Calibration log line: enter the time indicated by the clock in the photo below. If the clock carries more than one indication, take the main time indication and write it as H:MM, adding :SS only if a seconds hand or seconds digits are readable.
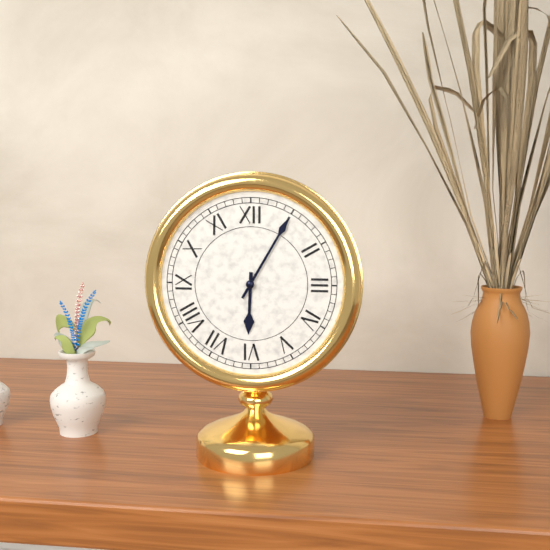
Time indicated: 6:05
